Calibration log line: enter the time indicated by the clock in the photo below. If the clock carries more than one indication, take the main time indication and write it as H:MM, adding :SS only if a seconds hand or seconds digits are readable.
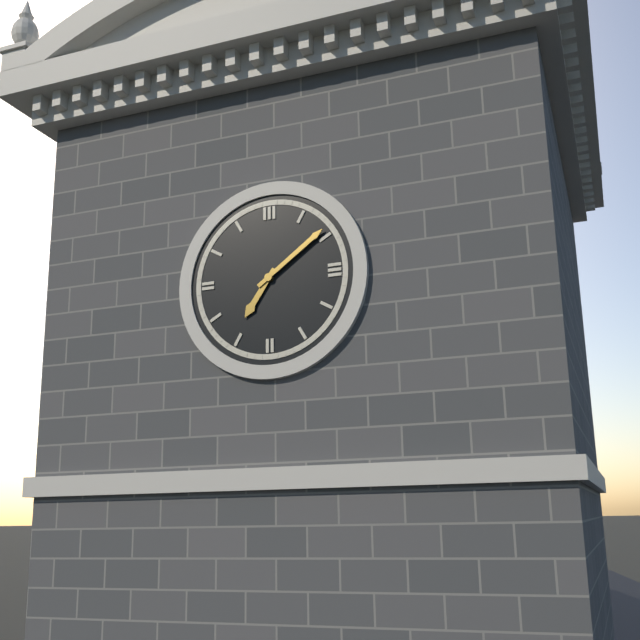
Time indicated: 7:09
